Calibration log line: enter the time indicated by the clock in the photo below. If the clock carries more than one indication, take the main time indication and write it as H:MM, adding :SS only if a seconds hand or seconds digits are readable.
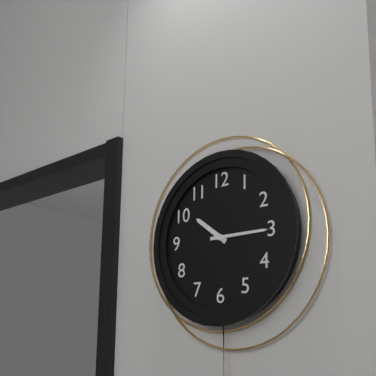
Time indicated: 10:15
